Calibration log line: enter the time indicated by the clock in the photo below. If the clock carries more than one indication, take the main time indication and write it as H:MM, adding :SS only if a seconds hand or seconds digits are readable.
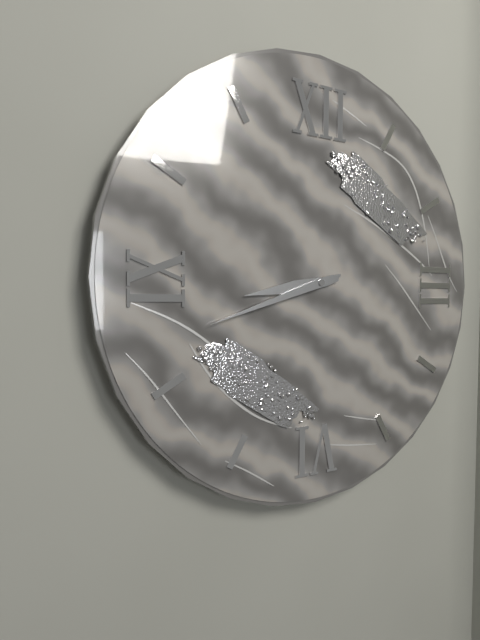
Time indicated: 8:42
